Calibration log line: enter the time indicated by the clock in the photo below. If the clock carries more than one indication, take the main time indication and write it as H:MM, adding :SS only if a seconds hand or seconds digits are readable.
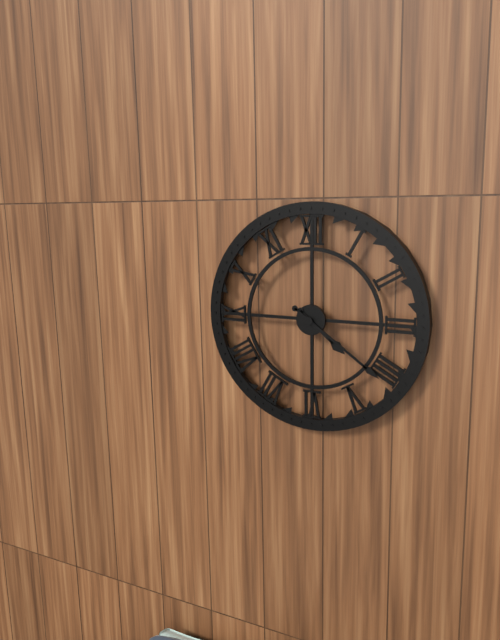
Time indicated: 4:21
